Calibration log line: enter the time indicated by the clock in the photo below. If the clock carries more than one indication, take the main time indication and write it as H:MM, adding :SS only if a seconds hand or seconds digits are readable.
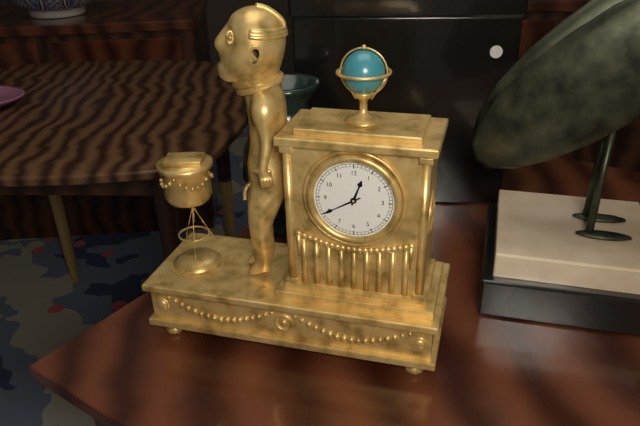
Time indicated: 12:40
